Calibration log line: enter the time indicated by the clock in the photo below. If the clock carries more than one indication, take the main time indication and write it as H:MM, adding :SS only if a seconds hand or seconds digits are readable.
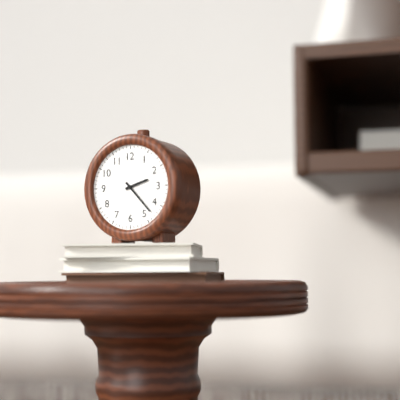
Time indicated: 2:23
